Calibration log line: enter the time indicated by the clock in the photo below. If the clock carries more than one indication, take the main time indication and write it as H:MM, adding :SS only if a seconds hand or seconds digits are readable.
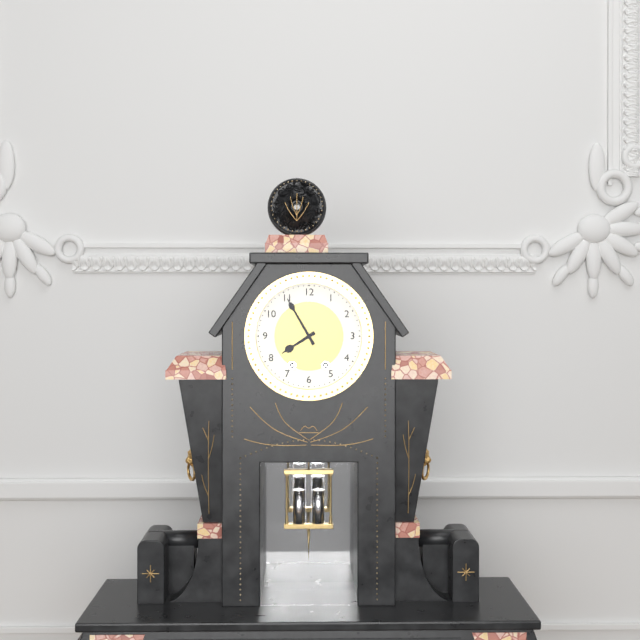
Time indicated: 7:55
